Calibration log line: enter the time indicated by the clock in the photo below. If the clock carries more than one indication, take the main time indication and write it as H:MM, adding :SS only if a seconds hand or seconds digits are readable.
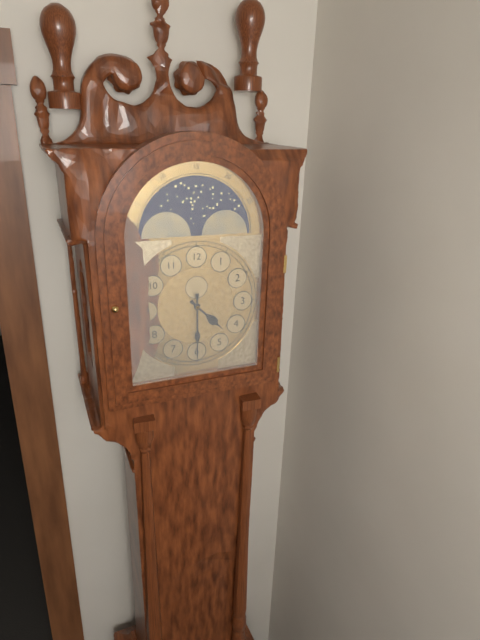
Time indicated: 4:30
